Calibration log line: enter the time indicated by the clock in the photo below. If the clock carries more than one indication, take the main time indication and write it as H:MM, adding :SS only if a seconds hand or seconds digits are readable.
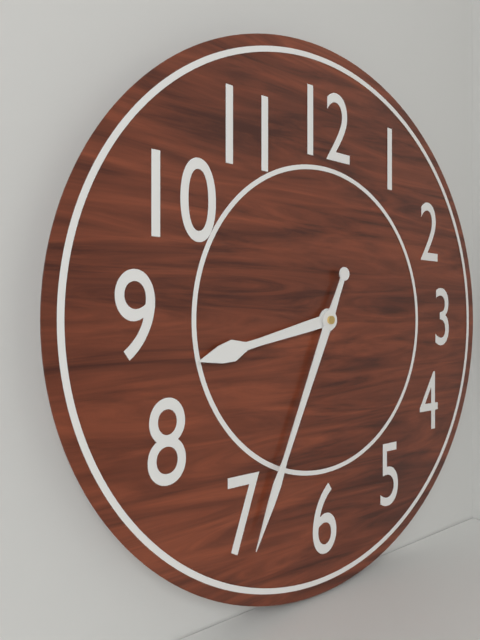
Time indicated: 8:34
